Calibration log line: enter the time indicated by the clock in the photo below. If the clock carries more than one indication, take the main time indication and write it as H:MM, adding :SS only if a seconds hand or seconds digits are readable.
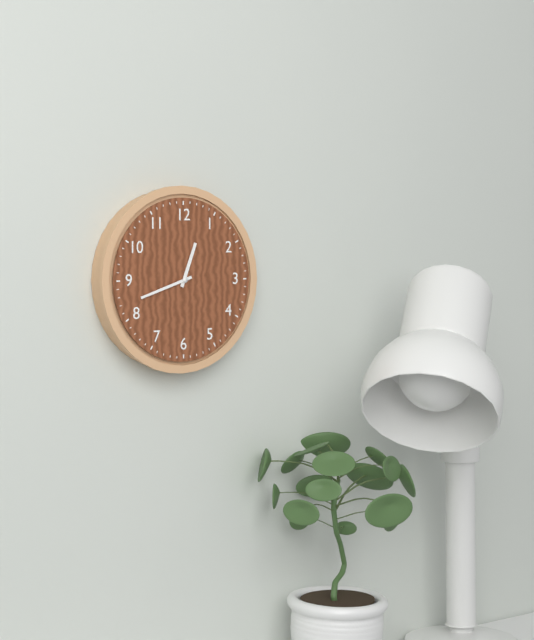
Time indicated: 12:42
